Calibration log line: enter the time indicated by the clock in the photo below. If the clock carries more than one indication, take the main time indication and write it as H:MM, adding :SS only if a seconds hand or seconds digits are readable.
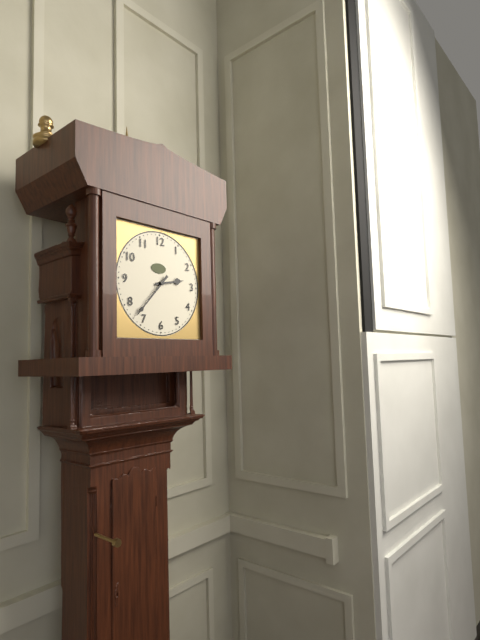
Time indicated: 2:37
